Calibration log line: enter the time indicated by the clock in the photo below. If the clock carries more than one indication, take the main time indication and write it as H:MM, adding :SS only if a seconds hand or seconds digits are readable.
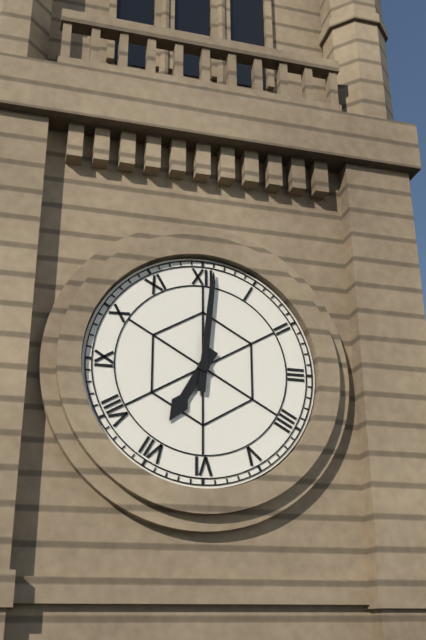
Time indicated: 7:01
